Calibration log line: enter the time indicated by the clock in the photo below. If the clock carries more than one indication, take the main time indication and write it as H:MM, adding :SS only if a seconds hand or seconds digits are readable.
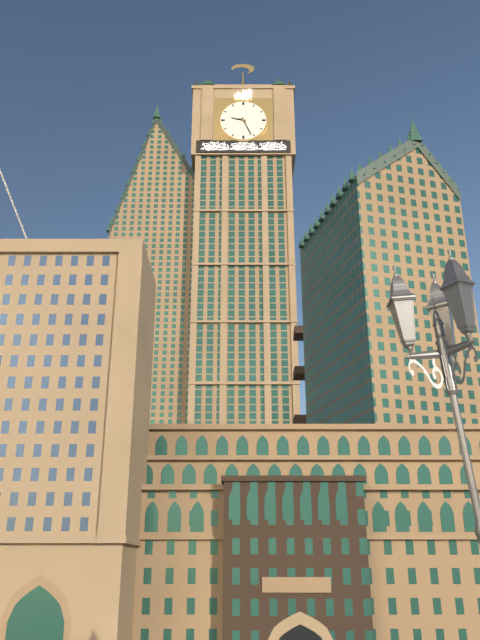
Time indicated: 9:26
